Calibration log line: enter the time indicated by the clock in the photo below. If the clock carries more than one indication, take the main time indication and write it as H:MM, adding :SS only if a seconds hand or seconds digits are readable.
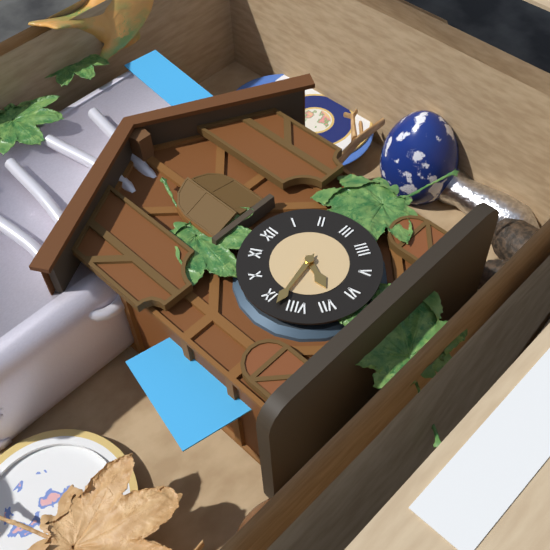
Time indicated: 6:43
